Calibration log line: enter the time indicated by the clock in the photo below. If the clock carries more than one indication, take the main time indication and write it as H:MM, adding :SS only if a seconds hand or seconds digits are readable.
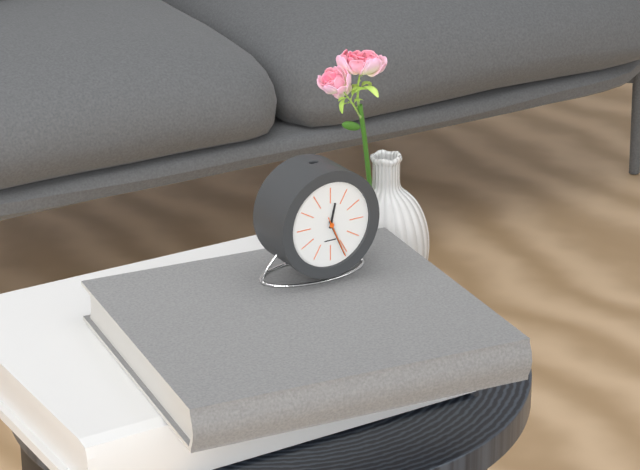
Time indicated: 12:26
